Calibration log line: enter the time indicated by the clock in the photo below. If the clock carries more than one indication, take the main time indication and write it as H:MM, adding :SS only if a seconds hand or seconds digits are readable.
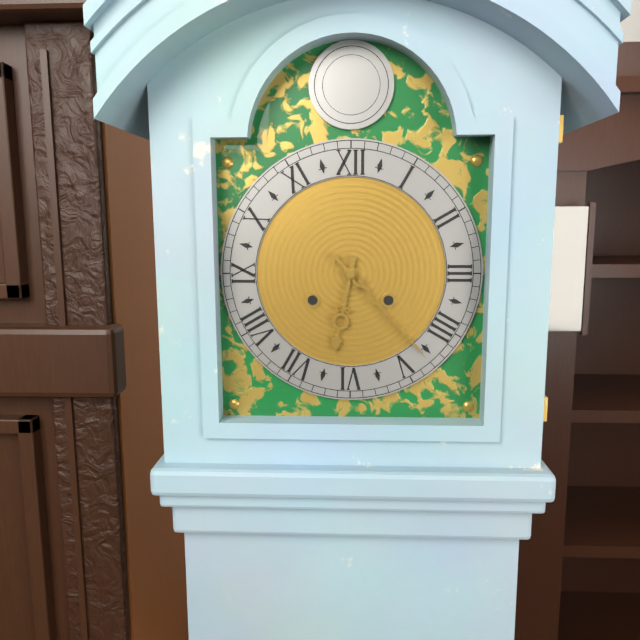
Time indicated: 6:23
